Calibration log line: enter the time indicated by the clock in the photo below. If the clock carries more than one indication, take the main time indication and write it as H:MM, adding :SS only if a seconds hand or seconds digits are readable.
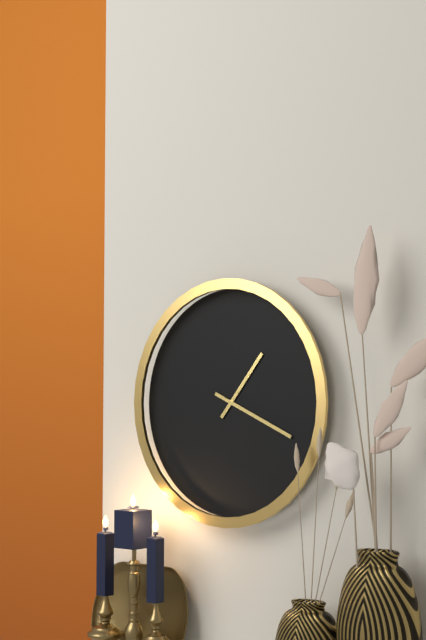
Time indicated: 1:19
